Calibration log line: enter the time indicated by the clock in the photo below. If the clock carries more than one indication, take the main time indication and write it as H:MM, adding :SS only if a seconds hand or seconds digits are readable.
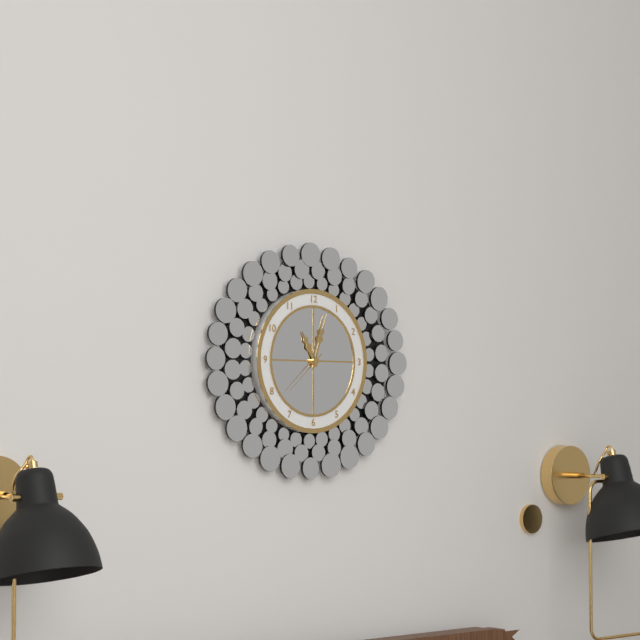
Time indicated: 11:03
